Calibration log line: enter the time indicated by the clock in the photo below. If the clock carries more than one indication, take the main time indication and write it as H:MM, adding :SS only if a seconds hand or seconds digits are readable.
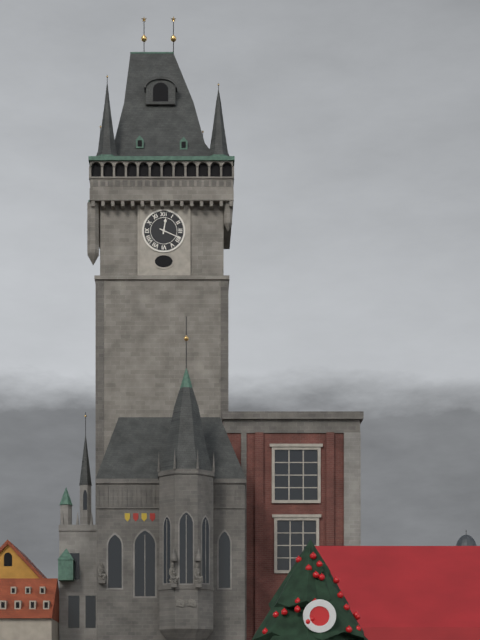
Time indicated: 12:19
